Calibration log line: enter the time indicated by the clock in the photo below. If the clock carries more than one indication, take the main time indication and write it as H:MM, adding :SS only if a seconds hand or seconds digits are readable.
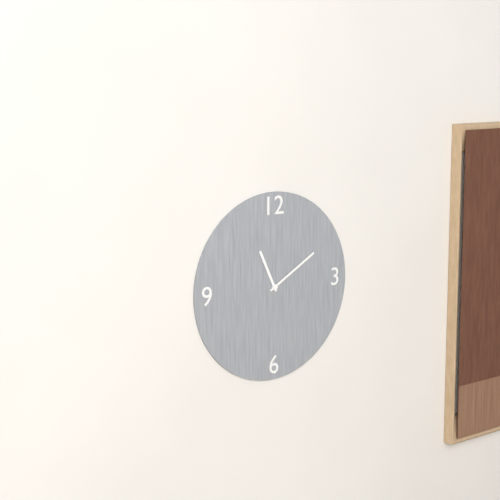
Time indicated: 11:10
